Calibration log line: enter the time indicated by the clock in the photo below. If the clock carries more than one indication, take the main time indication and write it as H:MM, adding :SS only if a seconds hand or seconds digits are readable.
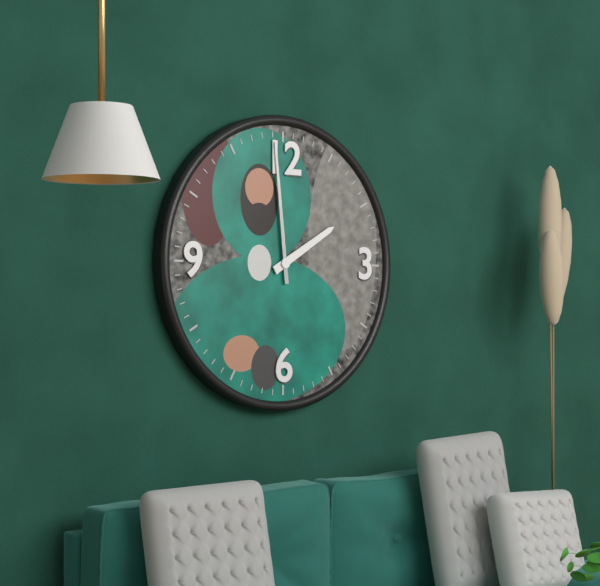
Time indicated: 1:59
